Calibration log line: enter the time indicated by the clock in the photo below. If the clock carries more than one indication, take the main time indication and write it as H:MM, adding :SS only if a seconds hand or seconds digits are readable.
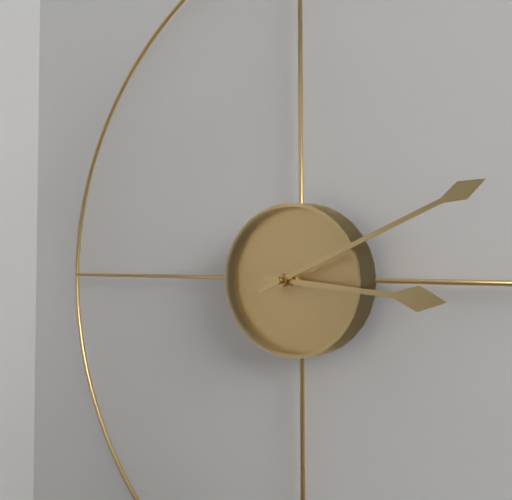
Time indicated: 3:11
